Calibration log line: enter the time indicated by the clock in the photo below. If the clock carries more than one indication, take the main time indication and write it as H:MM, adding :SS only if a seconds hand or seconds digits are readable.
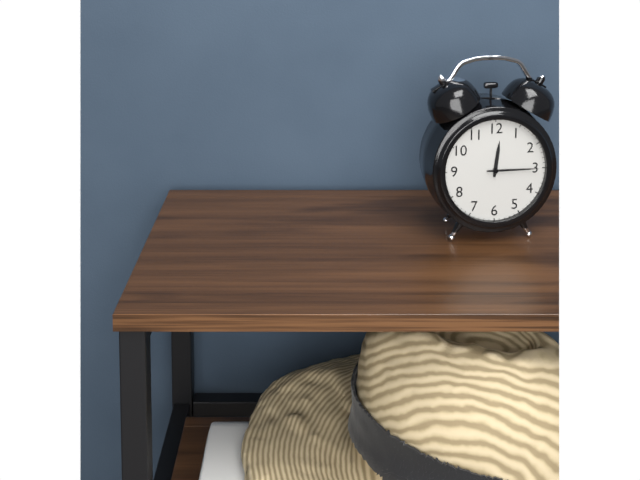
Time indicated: 12:15
